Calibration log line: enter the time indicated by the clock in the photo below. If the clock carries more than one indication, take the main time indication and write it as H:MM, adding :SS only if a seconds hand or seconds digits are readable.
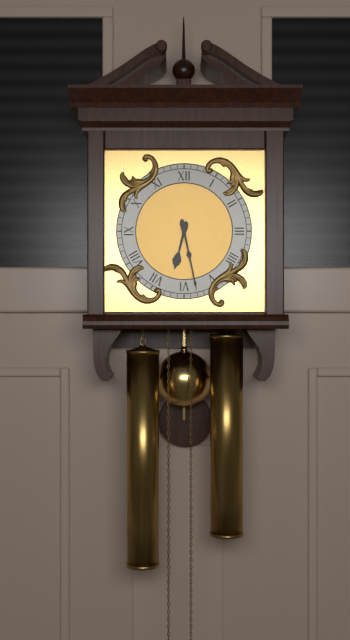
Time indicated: 6:28
